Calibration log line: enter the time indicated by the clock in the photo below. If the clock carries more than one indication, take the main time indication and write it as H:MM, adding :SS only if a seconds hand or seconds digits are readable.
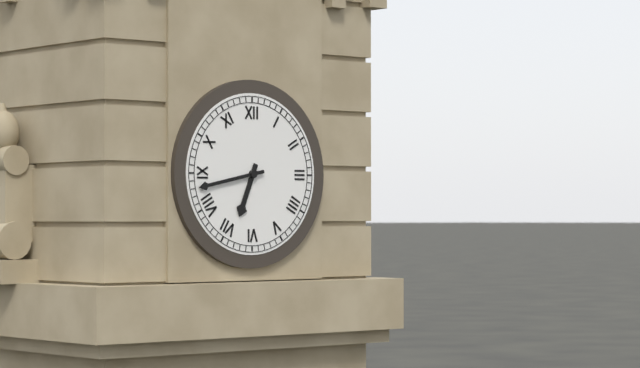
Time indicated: 6:43
